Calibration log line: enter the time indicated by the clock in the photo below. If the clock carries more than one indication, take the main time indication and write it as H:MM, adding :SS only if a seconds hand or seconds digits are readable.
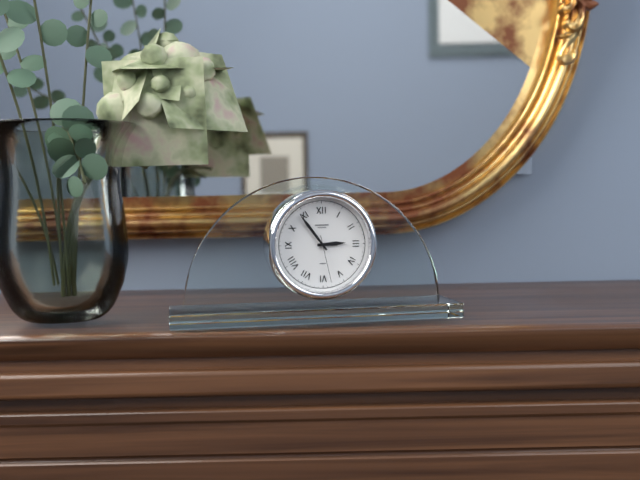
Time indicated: 2:54
